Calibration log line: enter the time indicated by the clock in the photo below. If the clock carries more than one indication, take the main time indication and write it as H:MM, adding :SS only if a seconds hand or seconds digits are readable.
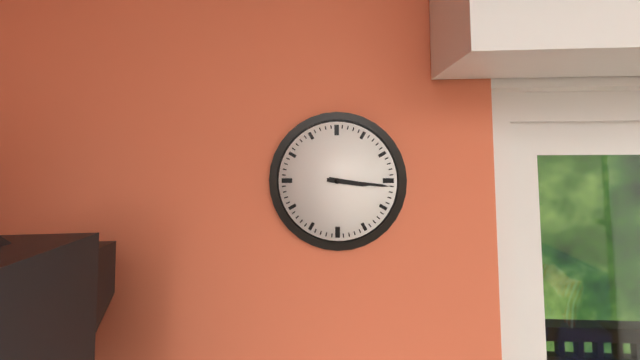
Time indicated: 3:16
